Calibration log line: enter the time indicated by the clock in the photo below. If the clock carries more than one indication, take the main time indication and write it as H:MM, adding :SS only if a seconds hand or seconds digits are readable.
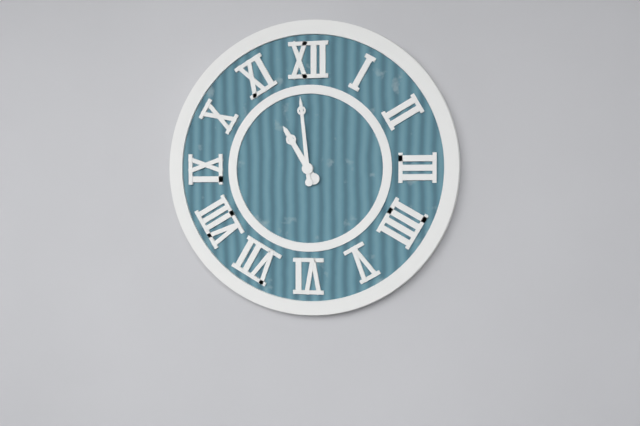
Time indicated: 10:59
